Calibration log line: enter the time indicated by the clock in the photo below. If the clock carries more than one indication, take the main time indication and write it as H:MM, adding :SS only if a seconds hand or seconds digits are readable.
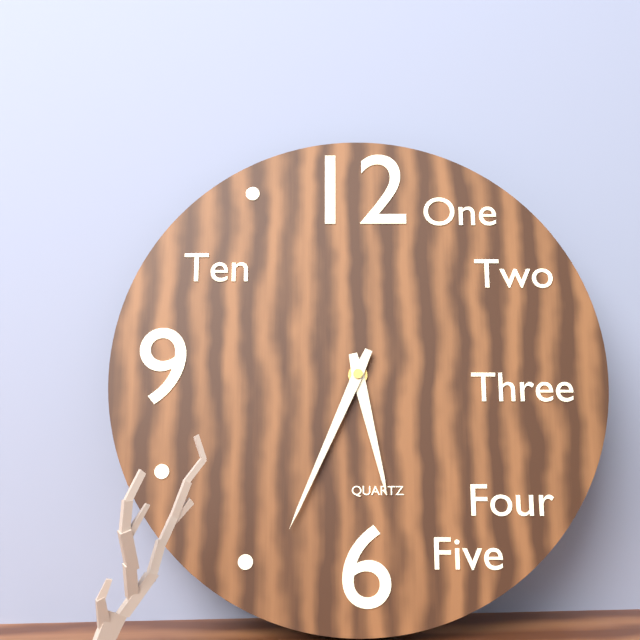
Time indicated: 5:34
